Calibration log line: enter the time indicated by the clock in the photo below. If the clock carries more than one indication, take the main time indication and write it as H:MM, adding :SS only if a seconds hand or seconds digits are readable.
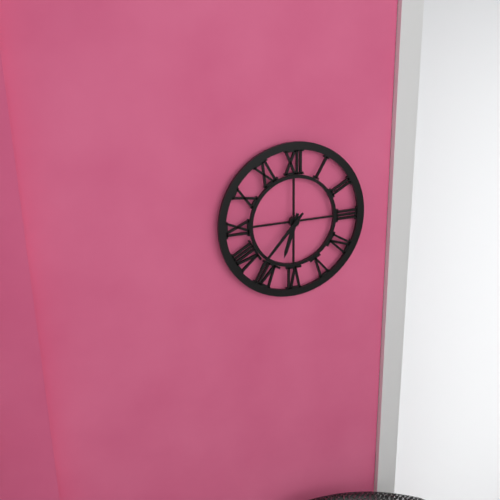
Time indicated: 6:37
